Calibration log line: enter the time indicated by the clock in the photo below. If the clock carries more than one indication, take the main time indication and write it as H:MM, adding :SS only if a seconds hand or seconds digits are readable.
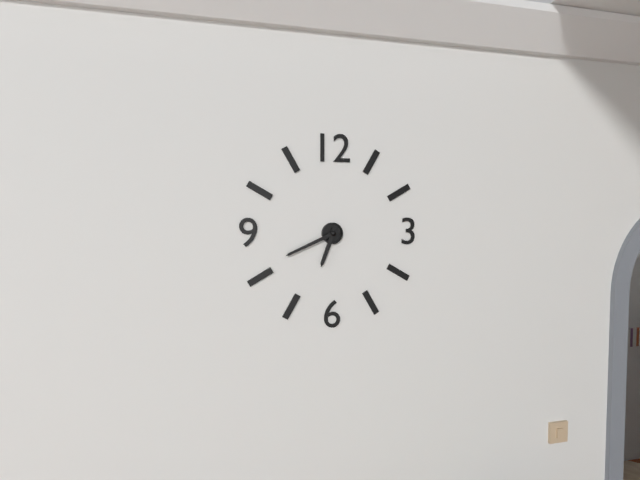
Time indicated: 6:41
